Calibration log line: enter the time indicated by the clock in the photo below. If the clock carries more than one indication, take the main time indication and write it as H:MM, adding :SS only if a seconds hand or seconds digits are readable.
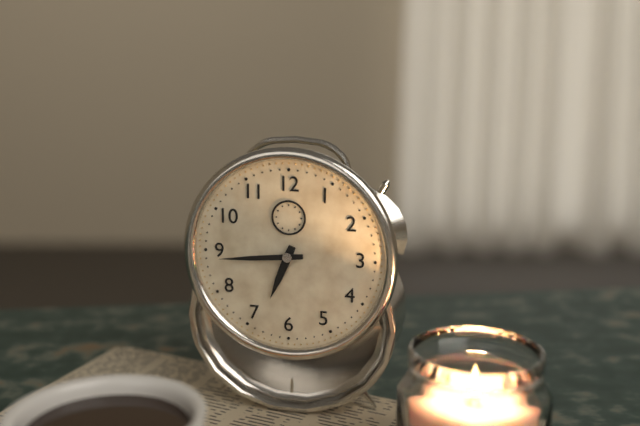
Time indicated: 6:44
